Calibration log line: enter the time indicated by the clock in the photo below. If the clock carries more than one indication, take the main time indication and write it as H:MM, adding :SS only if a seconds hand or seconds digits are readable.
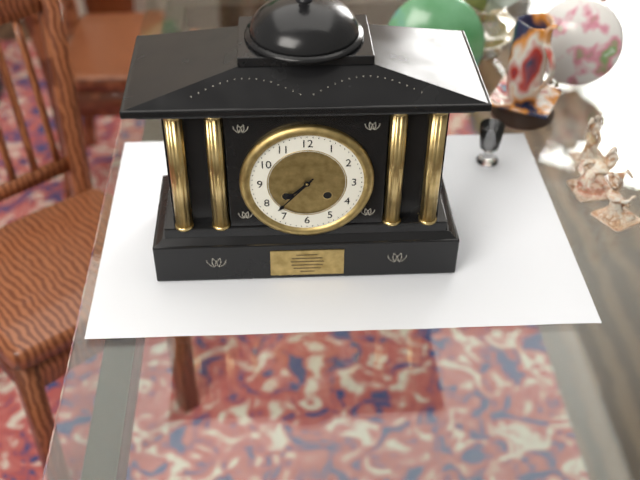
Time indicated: 7:37
